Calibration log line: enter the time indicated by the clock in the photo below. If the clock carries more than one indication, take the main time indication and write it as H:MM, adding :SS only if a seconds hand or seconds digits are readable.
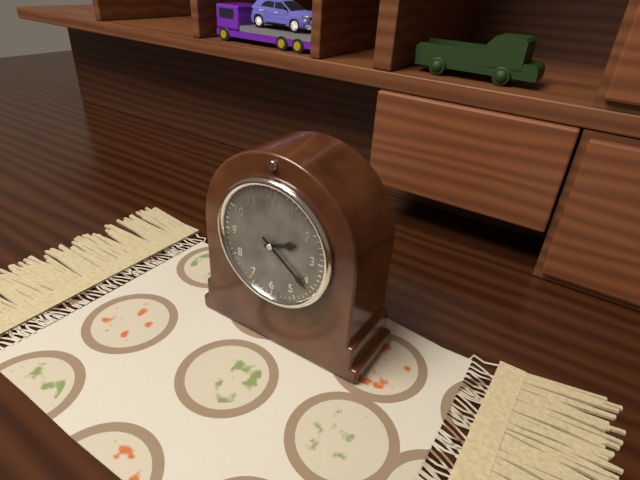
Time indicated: 2:21
